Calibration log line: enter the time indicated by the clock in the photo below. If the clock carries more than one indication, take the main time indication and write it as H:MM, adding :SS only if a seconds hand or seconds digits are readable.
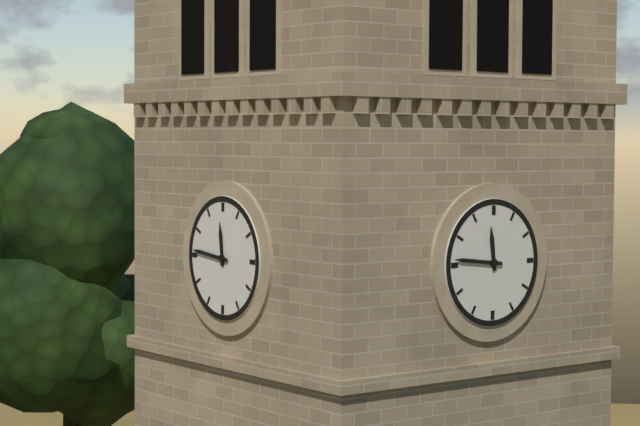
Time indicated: 11:46
